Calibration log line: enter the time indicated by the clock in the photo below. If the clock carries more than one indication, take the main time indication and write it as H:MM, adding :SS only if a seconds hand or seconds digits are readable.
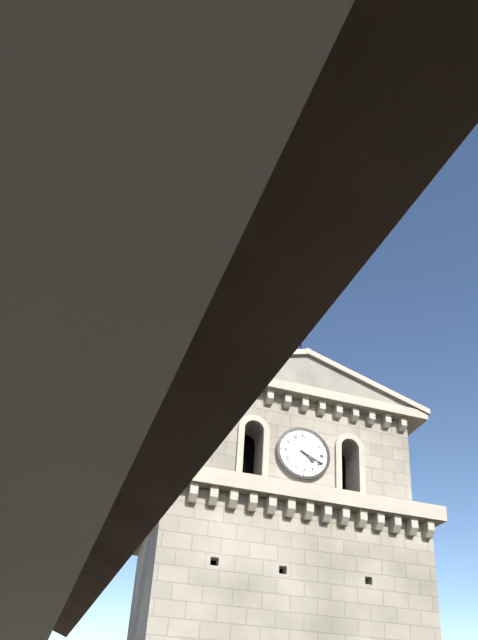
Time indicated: 4:19
